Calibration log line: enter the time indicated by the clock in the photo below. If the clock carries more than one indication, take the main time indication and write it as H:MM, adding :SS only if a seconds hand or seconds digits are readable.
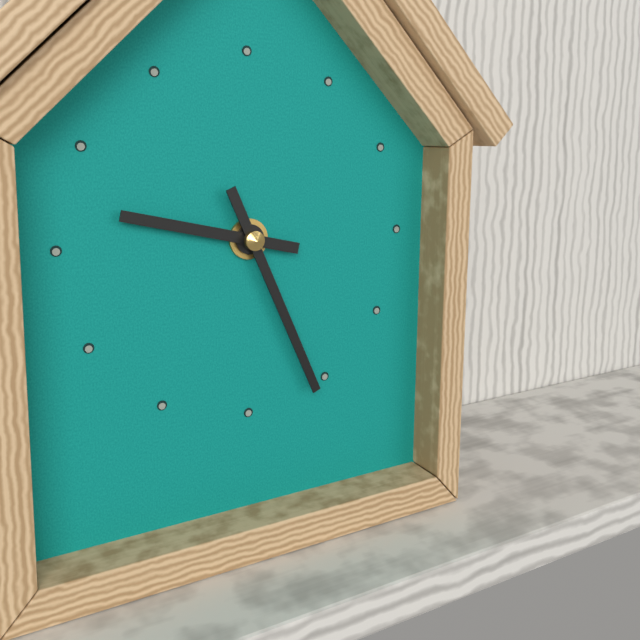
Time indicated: 9:26
